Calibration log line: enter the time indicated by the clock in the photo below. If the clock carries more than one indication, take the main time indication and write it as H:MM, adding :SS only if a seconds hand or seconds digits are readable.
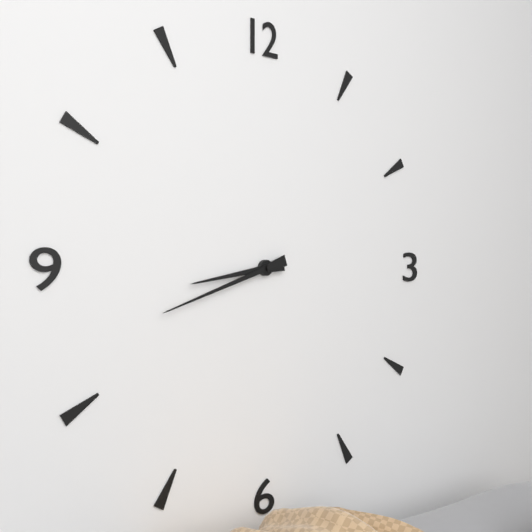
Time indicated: 8:42
